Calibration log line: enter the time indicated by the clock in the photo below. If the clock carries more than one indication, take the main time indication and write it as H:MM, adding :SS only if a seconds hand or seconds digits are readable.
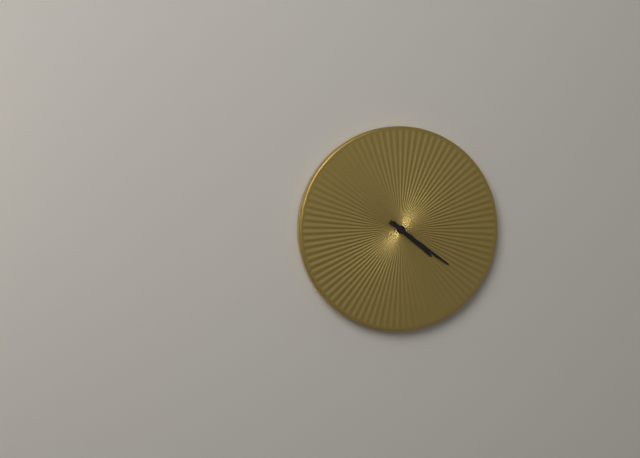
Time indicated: 4:21
